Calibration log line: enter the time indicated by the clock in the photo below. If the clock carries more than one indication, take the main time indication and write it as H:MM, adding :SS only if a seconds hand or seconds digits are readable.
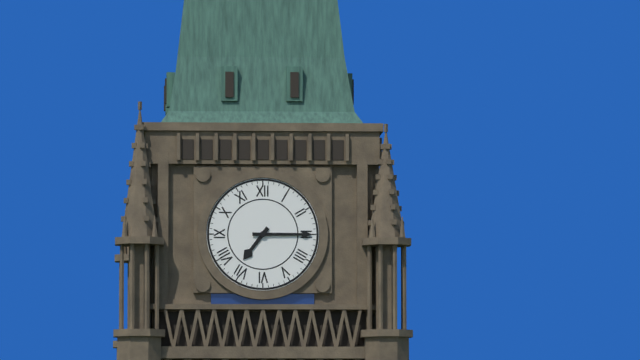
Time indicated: 7:15
